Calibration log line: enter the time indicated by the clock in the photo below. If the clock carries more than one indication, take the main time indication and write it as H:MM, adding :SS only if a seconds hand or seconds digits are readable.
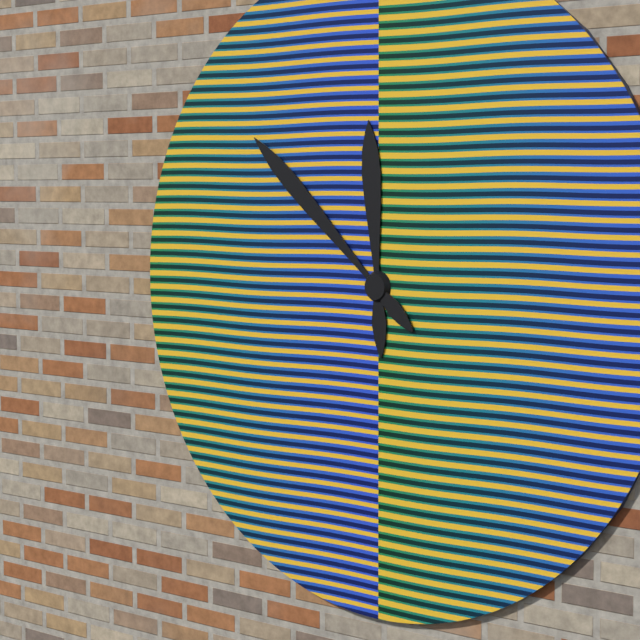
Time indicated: 11:52
